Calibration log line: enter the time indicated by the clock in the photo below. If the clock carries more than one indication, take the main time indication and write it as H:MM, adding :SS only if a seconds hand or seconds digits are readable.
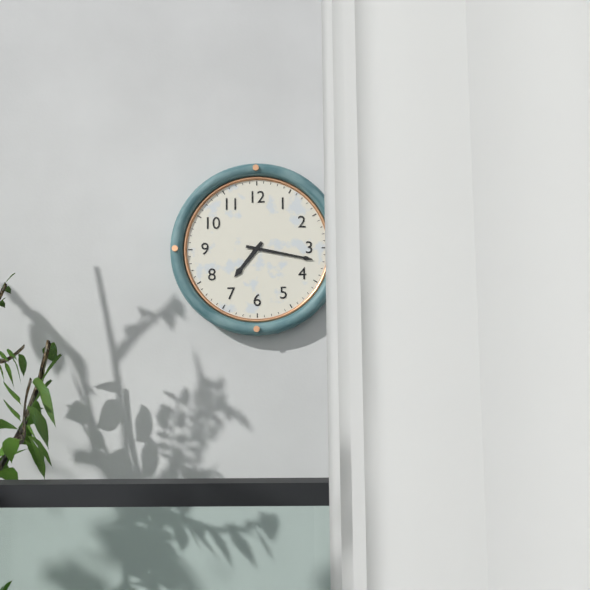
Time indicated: 7:17
